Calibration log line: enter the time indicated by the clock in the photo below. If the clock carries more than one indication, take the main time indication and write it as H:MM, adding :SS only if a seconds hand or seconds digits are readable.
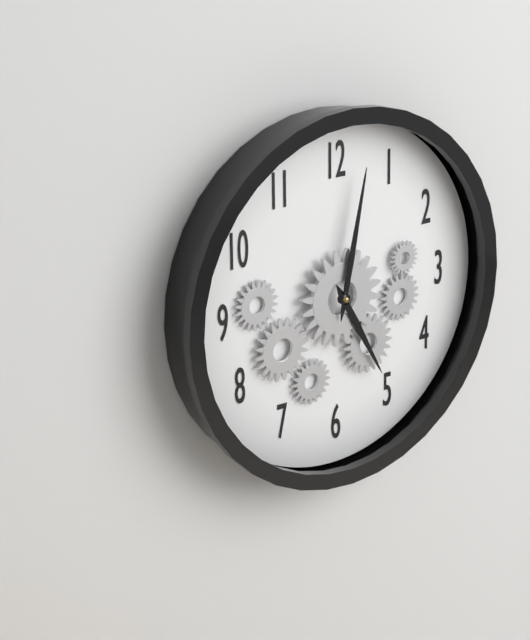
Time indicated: 5:02
